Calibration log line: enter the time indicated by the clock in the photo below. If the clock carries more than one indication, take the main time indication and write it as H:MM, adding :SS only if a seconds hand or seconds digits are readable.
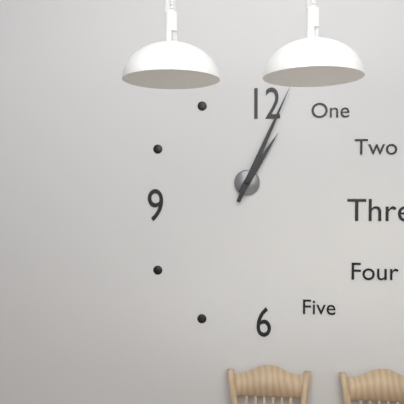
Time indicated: 1:04
